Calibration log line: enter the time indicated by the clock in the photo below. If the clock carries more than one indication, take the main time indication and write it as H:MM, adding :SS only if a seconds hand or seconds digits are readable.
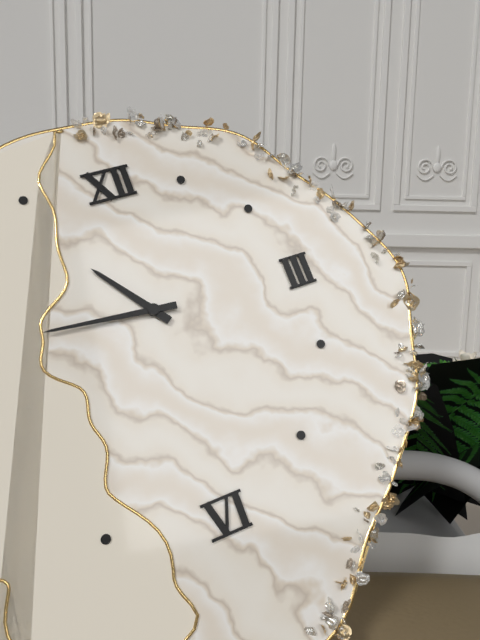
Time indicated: 10:46
